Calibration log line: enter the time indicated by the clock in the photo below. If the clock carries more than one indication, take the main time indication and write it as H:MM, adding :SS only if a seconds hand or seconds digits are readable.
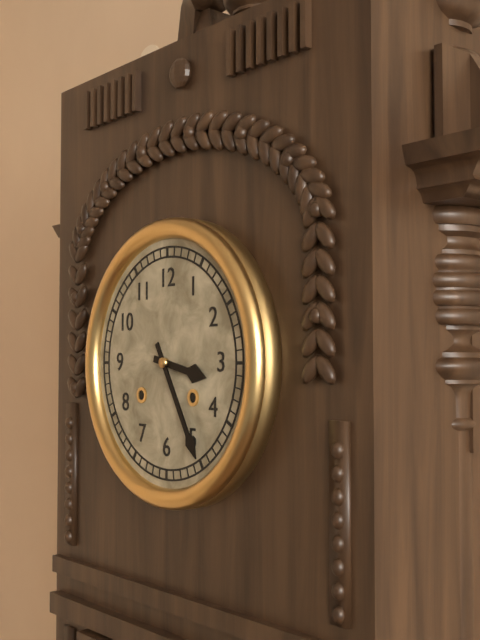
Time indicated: 3:25
